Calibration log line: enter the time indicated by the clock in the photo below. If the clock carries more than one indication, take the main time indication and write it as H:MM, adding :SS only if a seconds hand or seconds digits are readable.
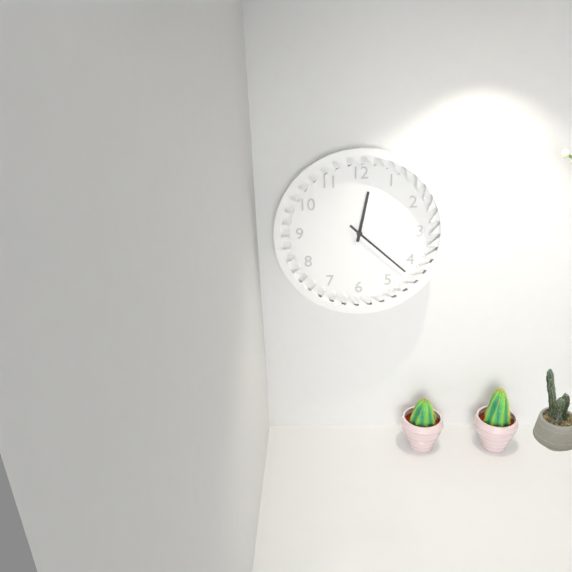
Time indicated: 12:22
